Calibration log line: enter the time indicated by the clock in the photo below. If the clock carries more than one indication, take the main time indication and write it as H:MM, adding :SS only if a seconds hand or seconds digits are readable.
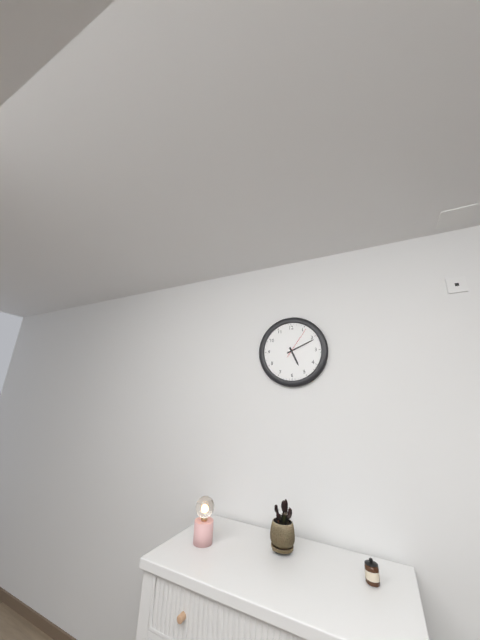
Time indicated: 5:11
